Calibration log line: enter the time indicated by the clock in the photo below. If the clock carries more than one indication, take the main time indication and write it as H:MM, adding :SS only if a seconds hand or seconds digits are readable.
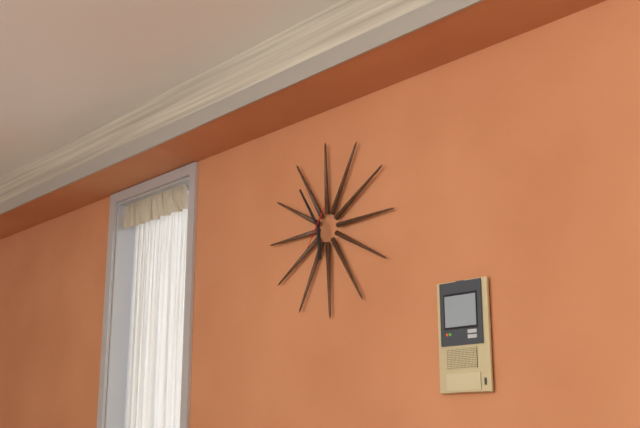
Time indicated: 5:55
